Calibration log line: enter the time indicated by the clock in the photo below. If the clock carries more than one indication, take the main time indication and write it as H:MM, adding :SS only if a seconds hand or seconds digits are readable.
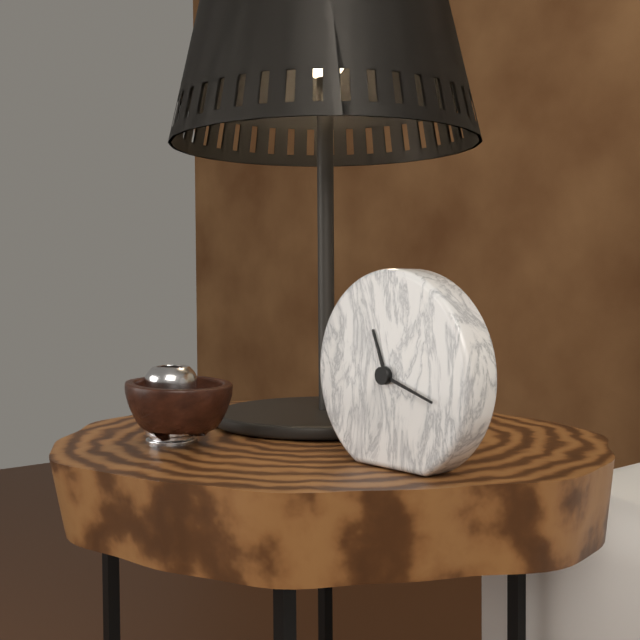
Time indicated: 11:18
